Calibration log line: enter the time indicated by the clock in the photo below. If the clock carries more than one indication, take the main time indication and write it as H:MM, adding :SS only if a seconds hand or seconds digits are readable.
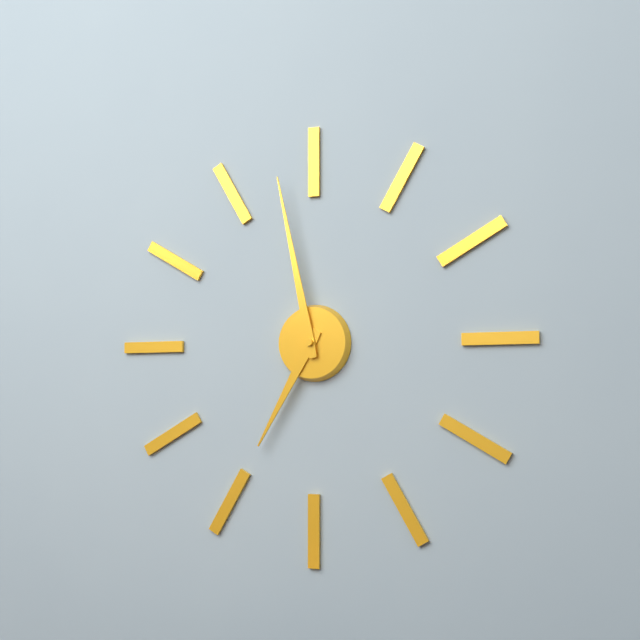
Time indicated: 6:58
